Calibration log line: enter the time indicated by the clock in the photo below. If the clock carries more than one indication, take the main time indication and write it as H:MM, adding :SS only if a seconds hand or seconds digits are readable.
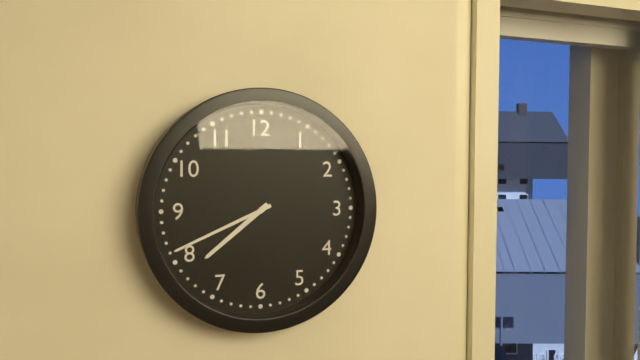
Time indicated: 7:41
